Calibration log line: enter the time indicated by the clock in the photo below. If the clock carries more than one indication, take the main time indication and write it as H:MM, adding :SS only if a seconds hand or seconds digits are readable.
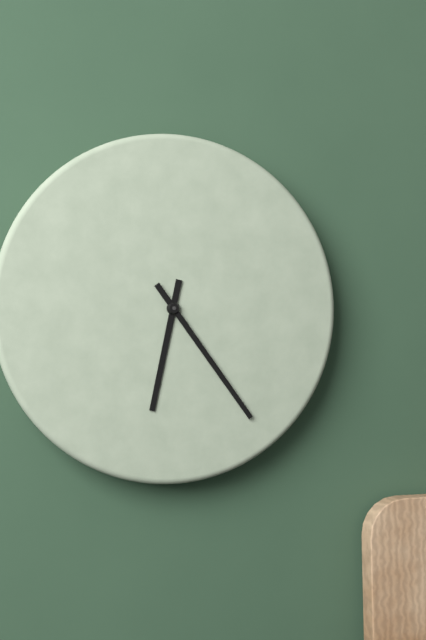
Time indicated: 6:24
